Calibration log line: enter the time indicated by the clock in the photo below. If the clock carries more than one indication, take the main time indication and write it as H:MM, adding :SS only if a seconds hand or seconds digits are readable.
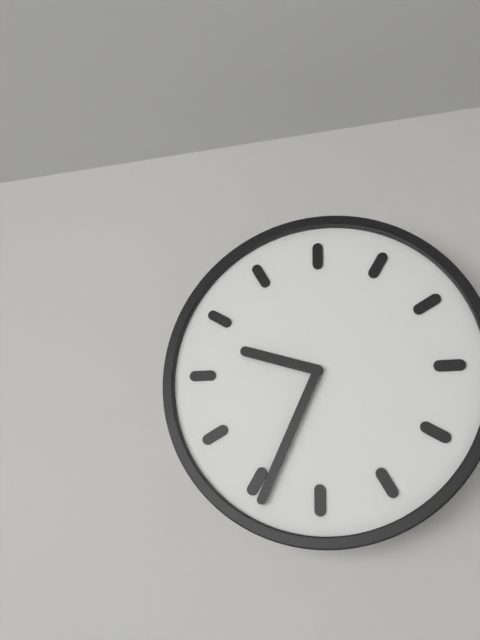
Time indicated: 9:34
